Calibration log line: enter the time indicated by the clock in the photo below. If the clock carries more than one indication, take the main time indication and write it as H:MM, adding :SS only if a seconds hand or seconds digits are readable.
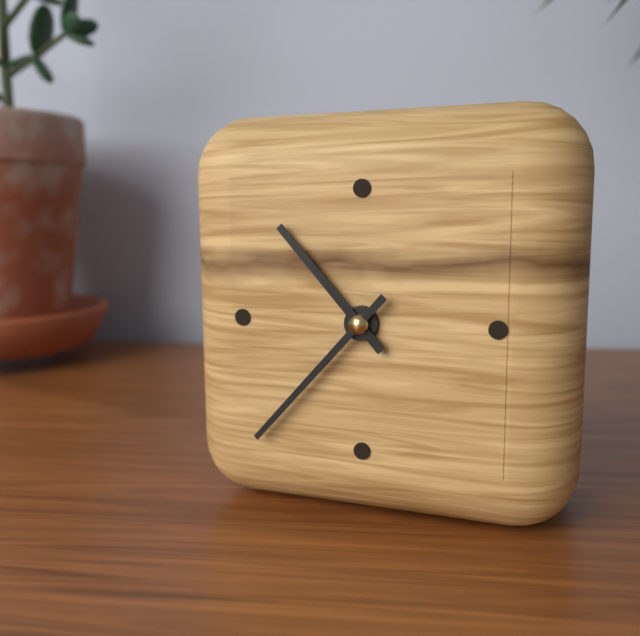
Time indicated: 10:37
